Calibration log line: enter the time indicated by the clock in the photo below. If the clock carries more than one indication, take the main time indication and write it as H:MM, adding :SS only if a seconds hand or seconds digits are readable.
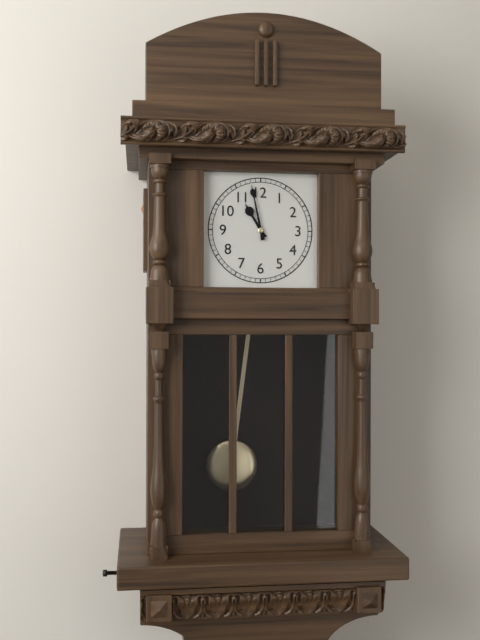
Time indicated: 10:58
